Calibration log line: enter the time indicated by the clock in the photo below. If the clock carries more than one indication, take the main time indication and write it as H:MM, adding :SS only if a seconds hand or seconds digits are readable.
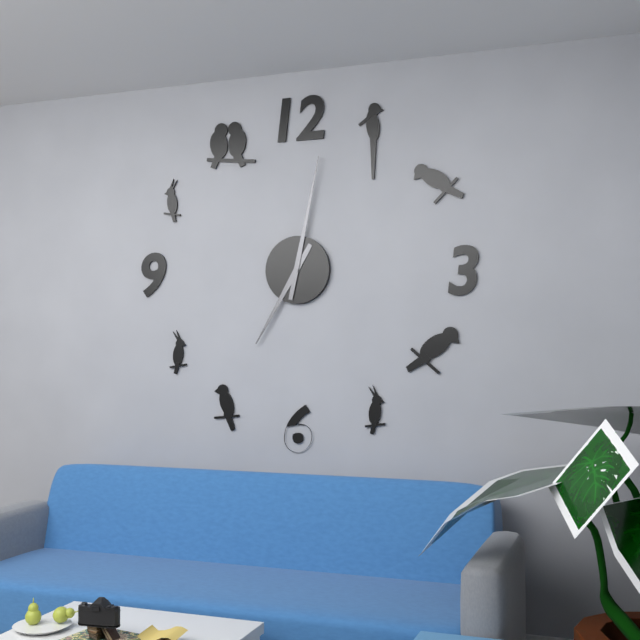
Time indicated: 7:02
